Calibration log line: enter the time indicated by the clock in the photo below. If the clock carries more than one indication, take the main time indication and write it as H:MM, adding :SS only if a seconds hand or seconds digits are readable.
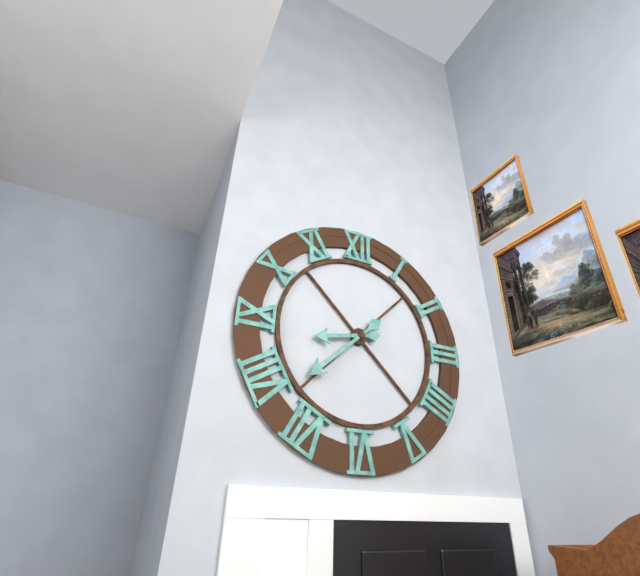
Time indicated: 8:38
